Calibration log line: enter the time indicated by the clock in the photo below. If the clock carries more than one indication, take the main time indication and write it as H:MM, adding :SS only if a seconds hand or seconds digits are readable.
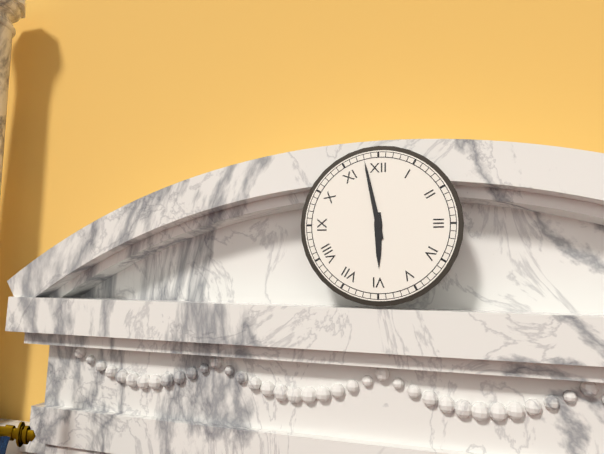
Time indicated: 5:58
